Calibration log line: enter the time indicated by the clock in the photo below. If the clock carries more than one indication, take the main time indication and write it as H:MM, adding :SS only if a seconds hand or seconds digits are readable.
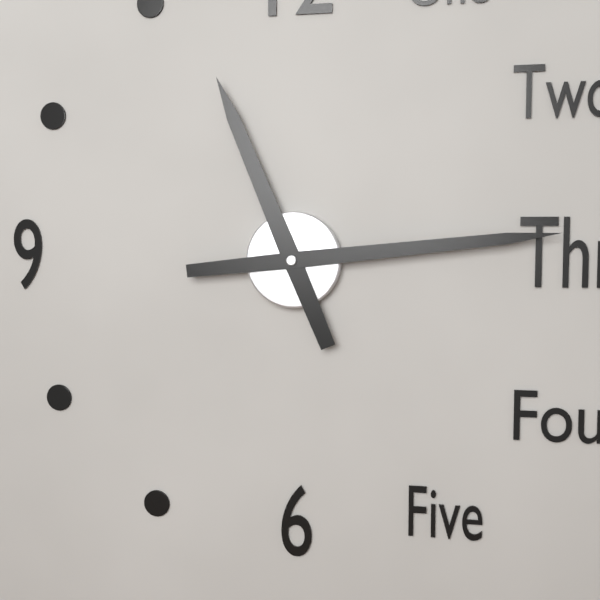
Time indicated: 11:14
